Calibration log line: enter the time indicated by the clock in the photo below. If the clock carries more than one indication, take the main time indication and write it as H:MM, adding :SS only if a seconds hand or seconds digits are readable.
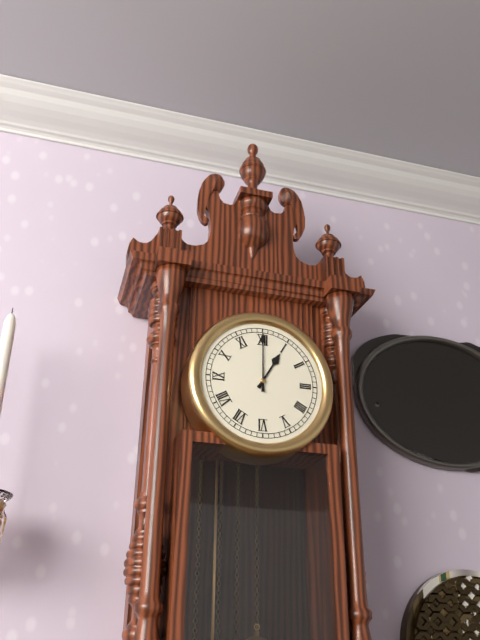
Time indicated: 1:00
